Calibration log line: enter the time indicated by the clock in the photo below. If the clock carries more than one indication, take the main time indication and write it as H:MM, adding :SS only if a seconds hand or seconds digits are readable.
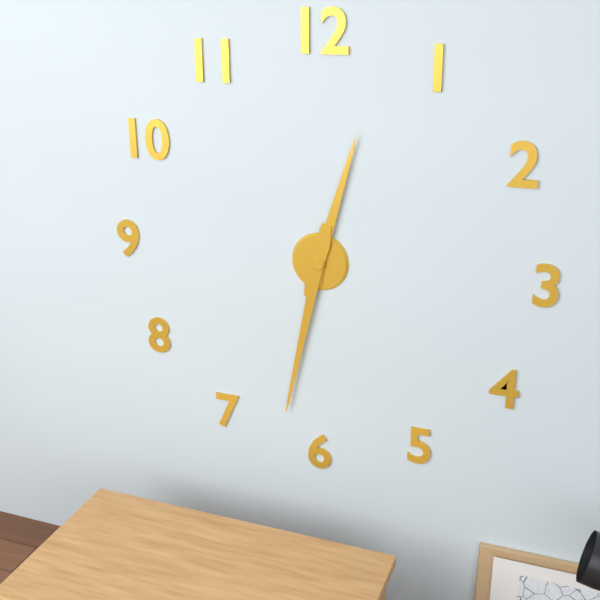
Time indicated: 12:32
